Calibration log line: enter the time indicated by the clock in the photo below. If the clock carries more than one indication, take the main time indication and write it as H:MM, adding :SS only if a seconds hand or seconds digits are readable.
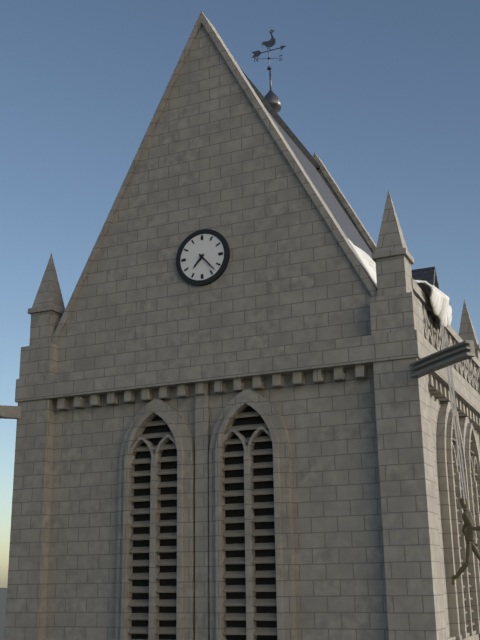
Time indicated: 7:23
